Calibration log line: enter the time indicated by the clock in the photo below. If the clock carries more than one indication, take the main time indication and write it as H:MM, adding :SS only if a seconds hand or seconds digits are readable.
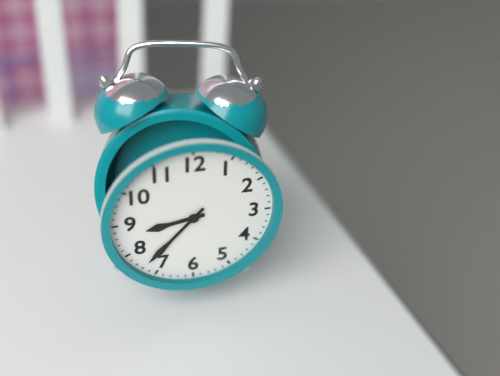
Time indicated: 8:37
